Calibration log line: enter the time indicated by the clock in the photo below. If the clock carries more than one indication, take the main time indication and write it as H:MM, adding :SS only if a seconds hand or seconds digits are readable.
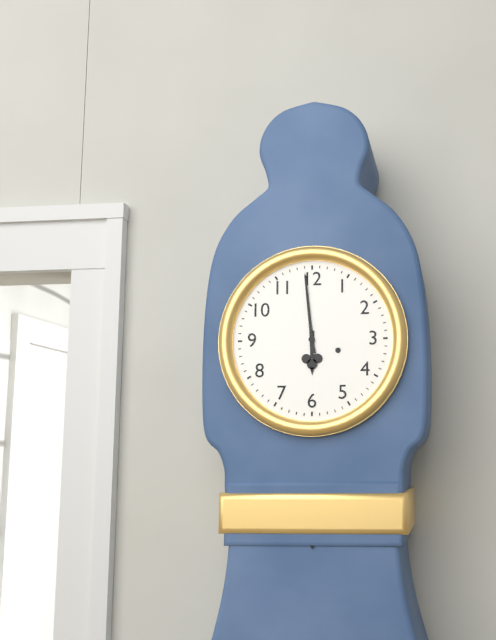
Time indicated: 5:59
